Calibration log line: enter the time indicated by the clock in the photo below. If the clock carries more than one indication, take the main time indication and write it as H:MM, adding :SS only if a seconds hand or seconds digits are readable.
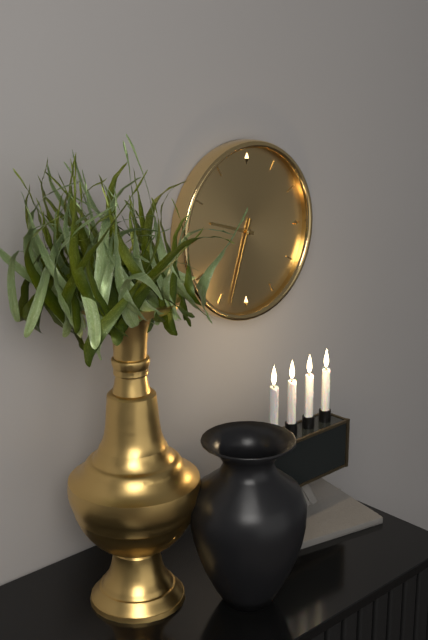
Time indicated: 9:33
